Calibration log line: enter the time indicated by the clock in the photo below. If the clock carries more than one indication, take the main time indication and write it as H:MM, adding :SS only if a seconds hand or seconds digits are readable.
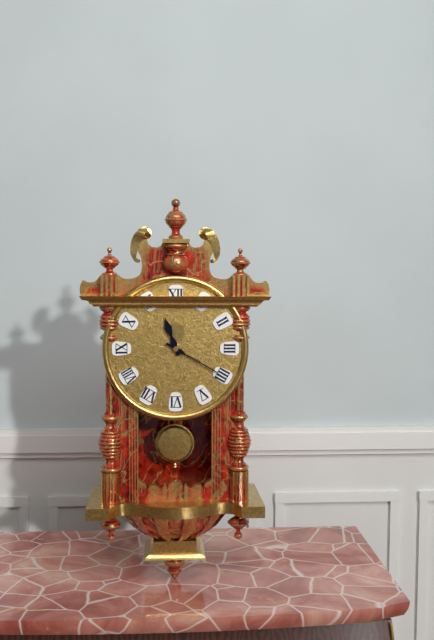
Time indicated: 11:20
